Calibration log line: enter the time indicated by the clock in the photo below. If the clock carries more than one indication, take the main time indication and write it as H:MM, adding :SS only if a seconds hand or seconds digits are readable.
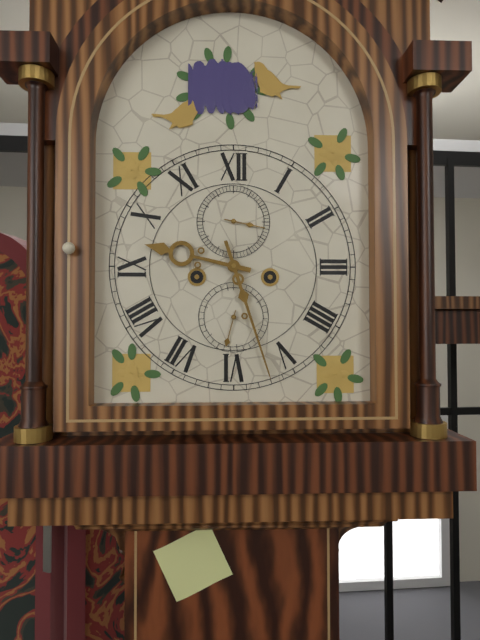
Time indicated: 9:27
